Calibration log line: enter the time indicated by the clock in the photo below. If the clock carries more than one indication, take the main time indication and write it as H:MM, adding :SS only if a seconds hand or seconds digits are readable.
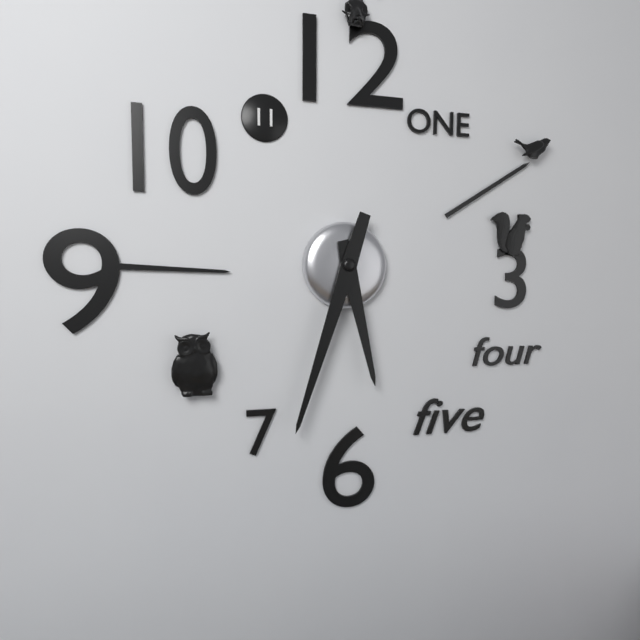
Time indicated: 5:33
